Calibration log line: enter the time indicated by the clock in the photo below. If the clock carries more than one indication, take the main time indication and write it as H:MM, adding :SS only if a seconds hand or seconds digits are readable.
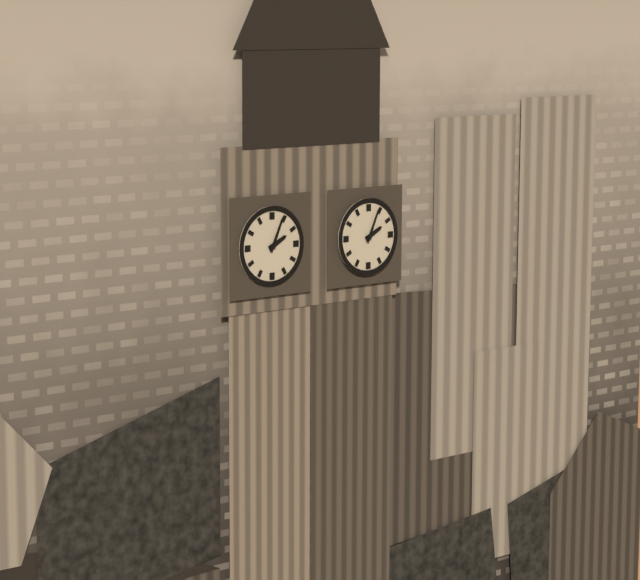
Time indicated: 2:04
